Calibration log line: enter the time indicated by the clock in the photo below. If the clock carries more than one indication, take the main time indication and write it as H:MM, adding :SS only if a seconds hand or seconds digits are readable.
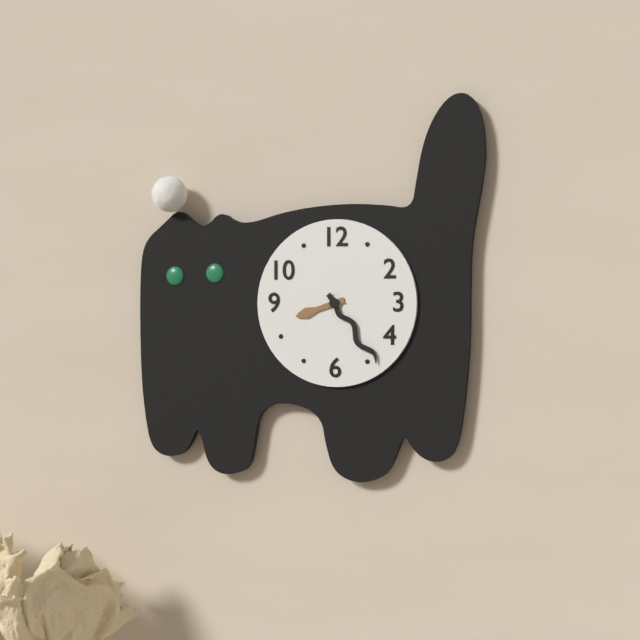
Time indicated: 8:24
